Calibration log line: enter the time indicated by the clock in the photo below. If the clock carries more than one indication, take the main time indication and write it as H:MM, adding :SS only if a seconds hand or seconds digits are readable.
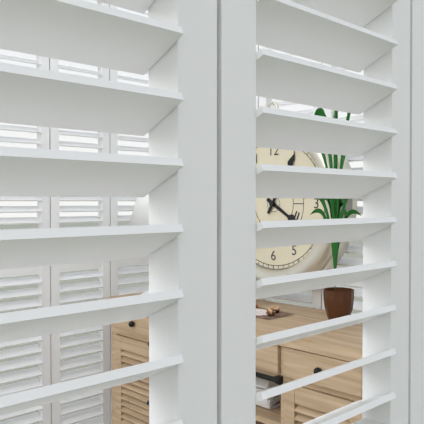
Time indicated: 4:05
